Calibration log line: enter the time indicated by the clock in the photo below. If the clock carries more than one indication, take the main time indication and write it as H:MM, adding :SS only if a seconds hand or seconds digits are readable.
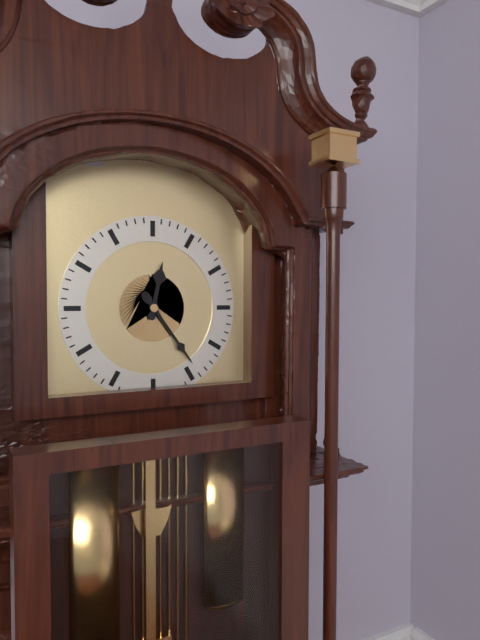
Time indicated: 12:24
